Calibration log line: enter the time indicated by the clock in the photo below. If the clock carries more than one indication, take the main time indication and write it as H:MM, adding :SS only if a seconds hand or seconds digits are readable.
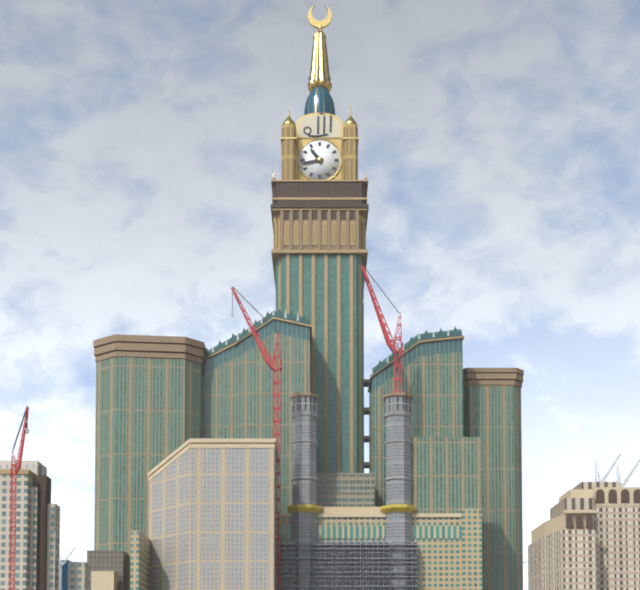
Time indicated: 10:43
